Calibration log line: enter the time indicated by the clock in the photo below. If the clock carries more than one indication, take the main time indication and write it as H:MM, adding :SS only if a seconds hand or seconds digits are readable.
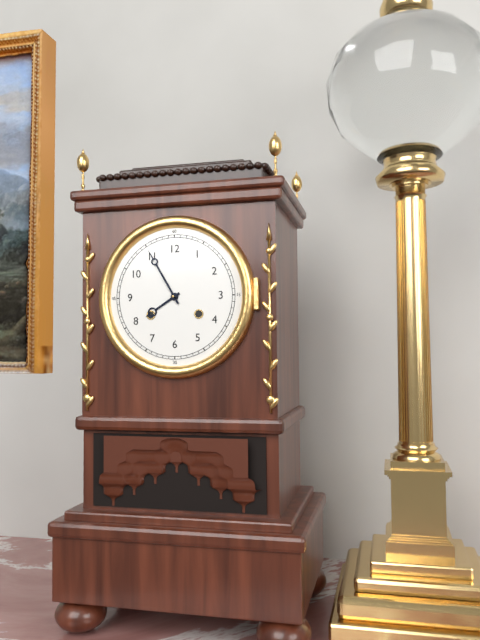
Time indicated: 7:55
